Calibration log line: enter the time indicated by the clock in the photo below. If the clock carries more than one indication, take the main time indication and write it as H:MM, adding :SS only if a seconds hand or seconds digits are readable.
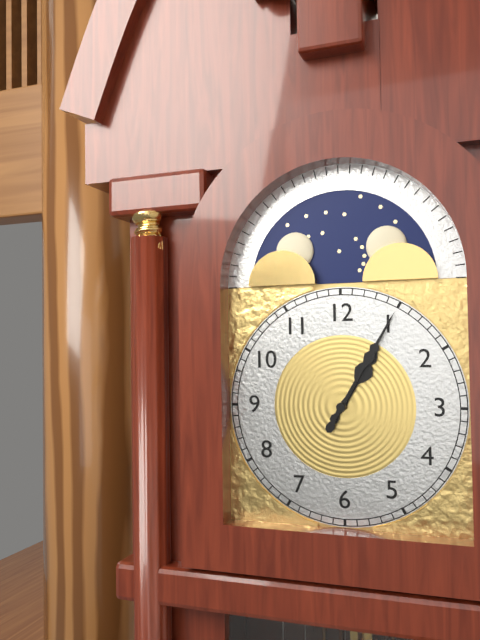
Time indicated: 1:05
